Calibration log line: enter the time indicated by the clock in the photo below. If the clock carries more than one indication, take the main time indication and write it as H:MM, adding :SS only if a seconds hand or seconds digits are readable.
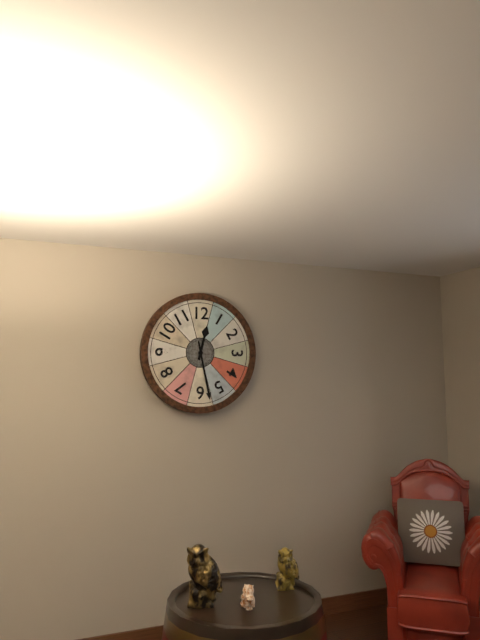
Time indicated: 12:28
